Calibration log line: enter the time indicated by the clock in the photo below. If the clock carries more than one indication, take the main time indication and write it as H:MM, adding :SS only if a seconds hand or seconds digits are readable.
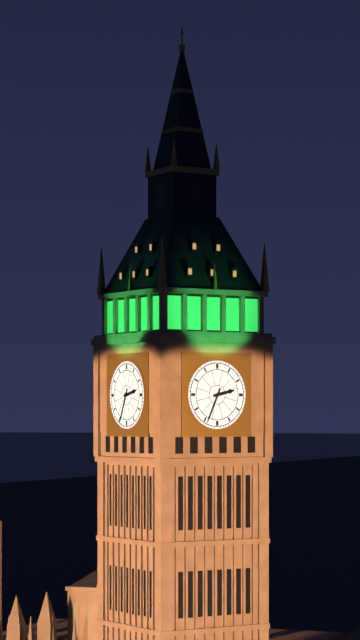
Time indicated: 2:34
